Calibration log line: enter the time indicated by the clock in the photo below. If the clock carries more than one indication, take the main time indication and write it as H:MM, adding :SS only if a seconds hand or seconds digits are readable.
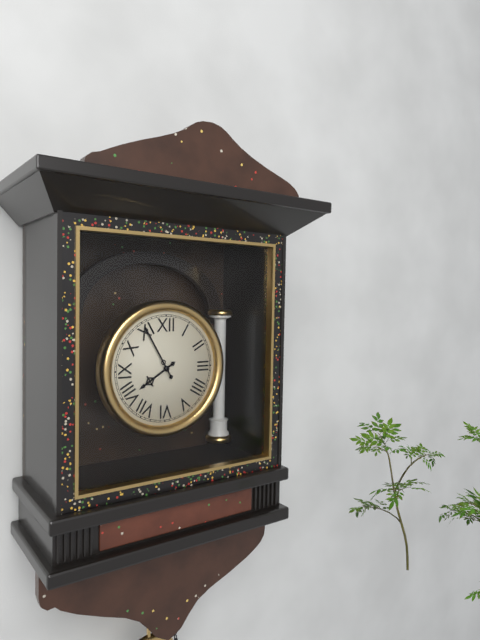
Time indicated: 7:55
